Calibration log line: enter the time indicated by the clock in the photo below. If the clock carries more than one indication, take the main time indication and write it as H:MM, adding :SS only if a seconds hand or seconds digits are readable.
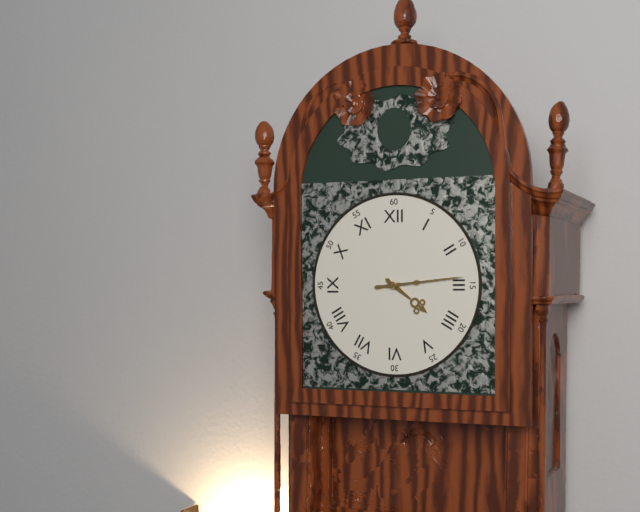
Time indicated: 4:14
